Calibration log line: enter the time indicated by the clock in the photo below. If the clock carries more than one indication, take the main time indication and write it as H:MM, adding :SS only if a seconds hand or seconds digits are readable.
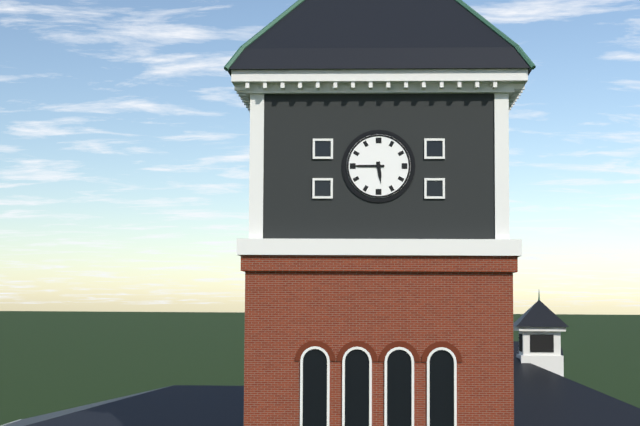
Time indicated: 5:45
